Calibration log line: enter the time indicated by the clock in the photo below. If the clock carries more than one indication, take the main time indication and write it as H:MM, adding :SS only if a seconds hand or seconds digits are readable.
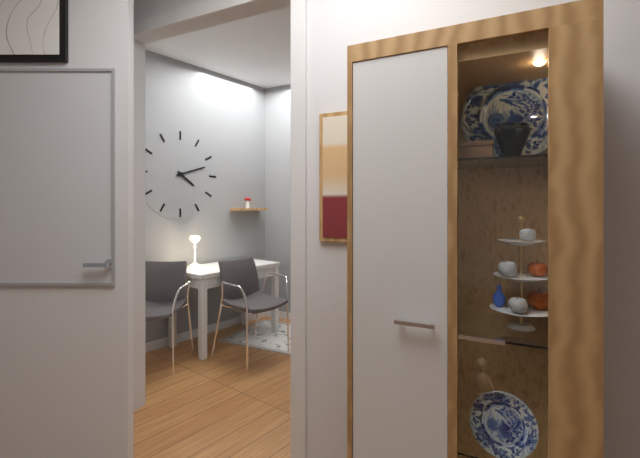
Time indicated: 4:12
